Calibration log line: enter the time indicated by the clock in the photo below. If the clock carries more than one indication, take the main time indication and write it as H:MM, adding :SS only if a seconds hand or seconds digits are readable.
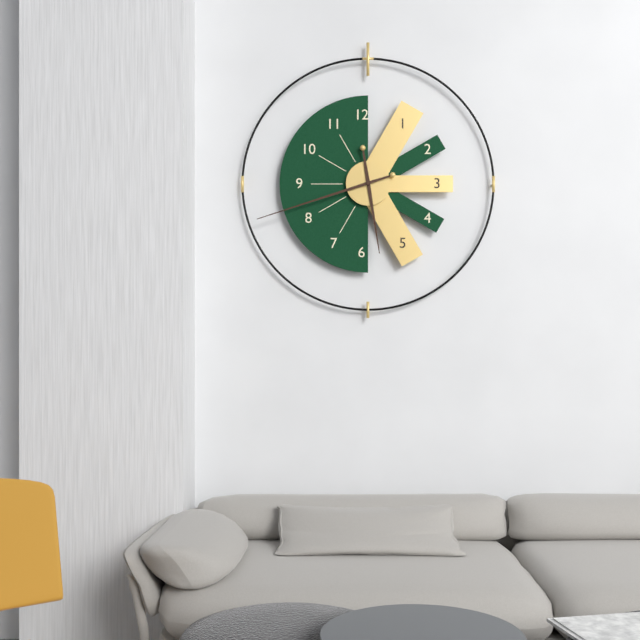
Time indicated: 5:42
